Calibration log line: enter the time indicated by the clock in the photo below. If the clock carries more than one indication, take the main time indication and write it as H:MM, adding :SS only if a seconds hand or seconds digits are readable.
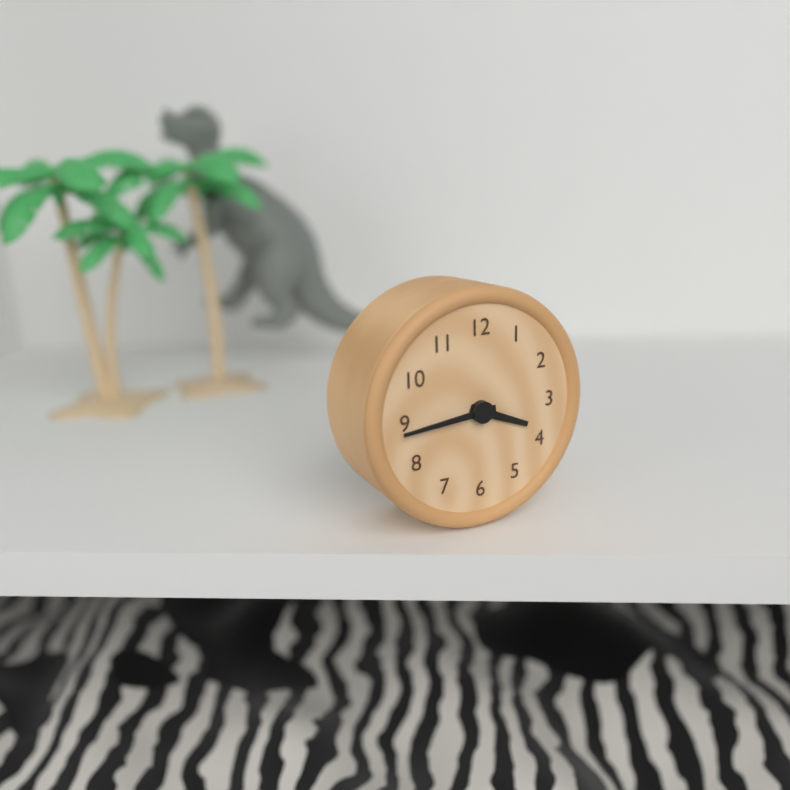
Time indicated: 3:44
